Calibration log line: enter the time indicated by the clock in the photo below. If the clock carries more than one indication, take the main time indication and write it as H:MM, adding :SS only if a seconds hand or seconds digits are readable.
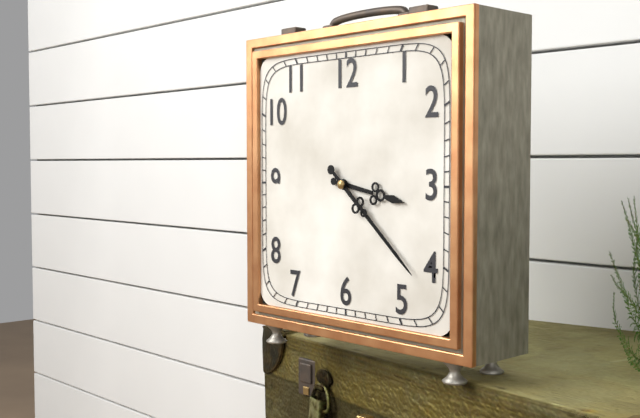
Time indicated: 3:22
